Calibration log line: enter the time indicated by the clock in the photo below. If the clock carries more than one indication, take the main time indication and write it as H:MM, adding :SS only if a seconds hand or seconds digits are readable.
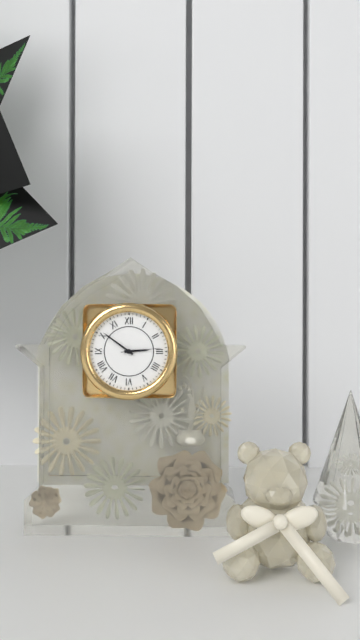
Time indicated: 2:51
